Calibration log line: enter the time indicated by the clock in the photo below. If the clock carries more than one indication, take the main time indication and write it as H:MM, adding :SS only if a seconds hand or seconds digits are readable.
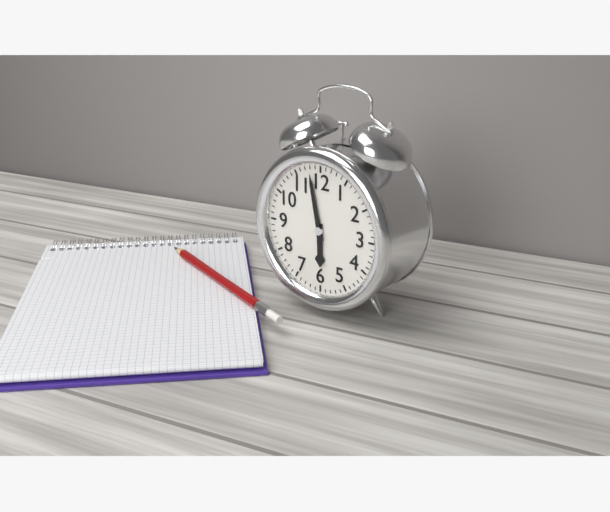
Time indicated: 5:58
